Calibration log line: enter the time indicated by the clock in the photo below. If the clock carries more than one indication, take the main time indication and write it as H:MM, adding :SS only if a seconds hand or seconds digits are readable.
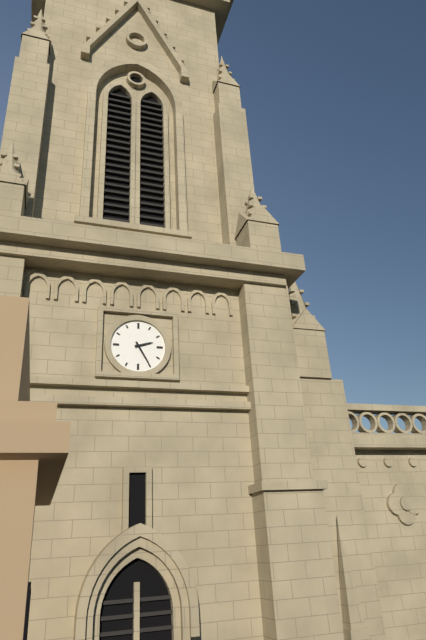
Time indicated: 2:25
